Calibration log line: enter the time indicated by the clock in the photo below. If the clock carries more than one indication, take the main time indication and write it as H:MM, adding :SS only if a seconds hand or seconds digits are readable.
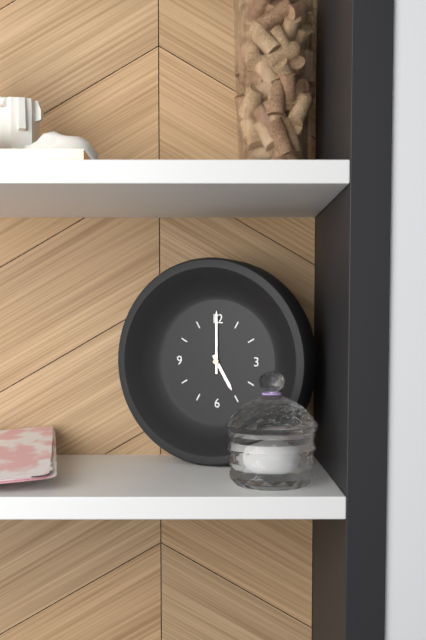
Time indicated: 5:00
